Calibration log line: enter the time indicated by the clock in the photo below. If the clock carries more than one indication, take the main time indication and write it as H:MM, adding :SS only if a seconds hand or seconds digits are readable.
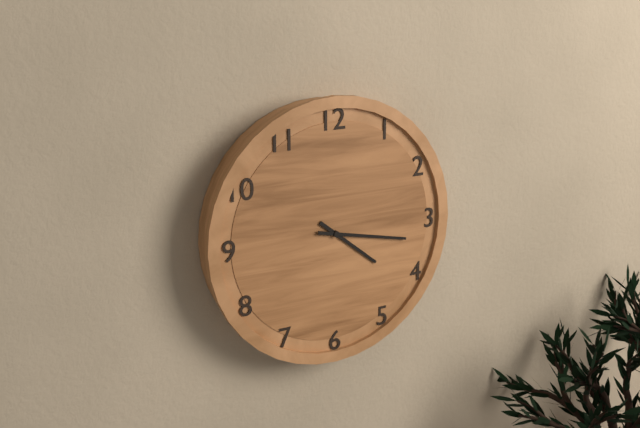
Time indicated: 4:17
